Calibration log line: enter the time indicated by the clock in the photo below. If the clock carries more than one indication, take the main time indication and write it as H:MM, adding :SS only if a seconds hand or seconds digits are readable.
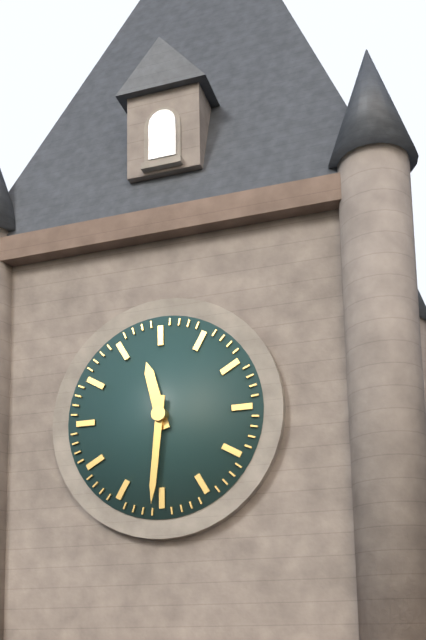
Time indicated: 11:31
